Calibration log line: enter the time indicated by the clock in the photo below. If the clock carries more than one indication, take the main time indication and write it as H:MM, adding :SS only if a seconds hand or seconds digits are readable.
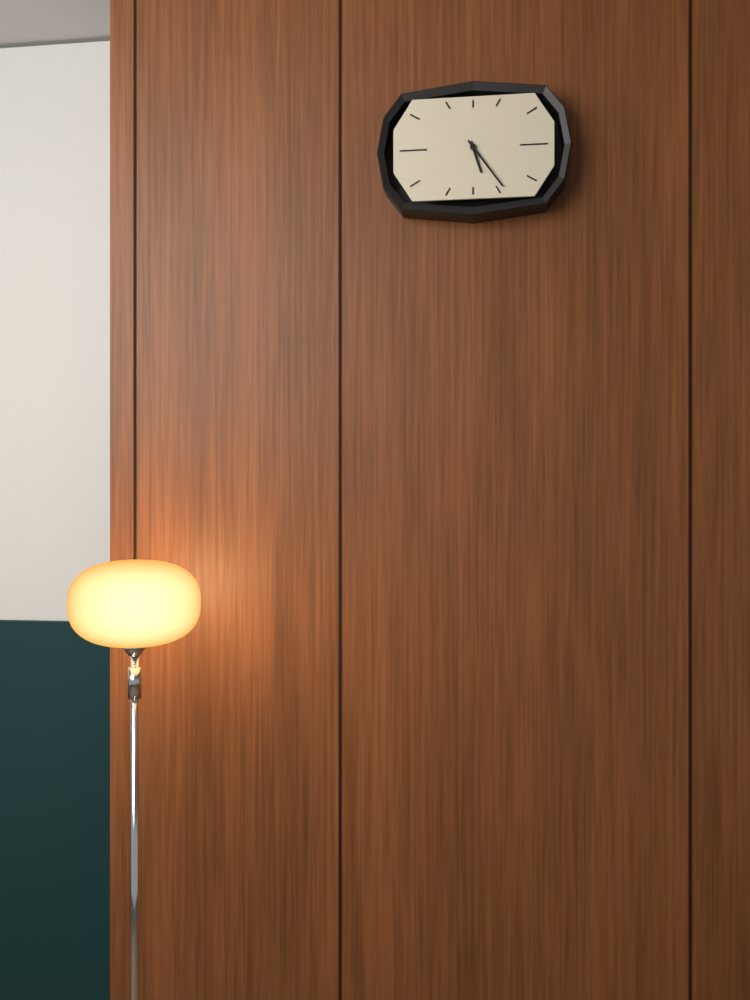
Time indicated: 5:24
